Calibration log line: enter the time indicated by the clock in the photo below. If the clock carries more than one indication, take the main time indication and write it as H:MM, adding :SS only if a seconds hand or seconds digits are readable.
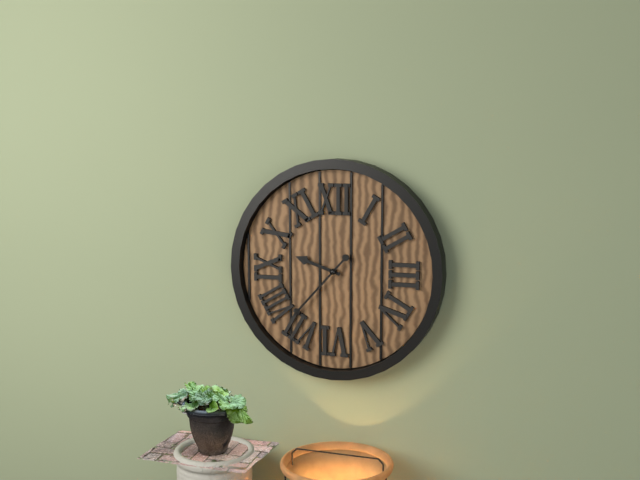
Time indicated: 9:37
